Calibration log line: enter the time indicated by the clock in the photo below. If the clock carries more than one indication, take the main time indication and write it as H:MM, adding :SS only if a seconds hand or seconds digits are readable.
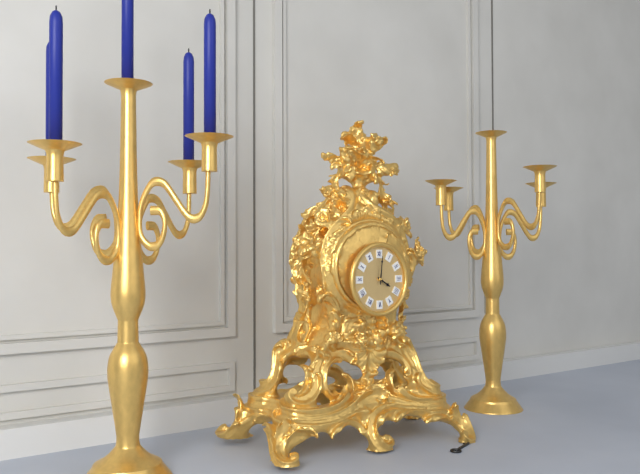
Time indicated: 4:01
